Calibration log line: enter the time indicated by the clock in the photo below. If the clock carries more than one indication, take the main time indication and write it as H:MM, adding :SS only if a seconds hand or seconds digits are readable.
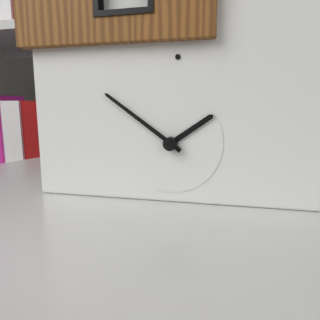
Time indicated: 1:51
